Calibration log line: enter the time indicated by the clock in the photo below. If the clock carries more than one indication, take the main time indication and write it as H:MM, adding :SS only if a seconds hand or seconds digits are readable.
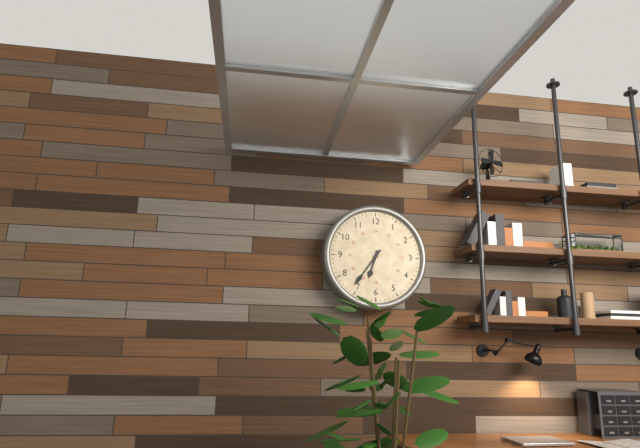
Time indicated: 6:36
